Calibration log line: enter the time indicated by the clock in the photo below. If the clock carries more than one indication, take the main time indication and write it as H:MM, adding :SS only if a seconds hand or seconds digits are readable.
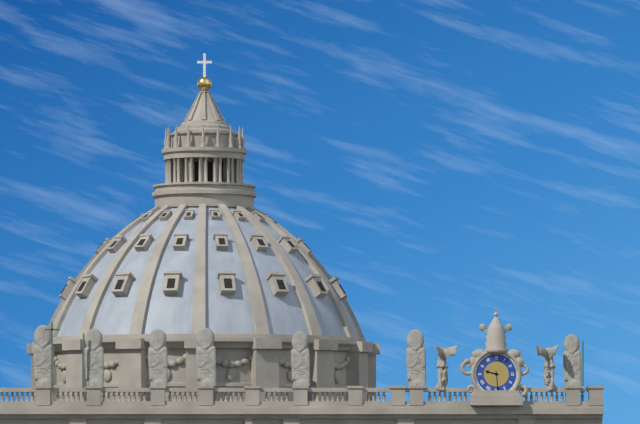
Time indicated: 9:29
